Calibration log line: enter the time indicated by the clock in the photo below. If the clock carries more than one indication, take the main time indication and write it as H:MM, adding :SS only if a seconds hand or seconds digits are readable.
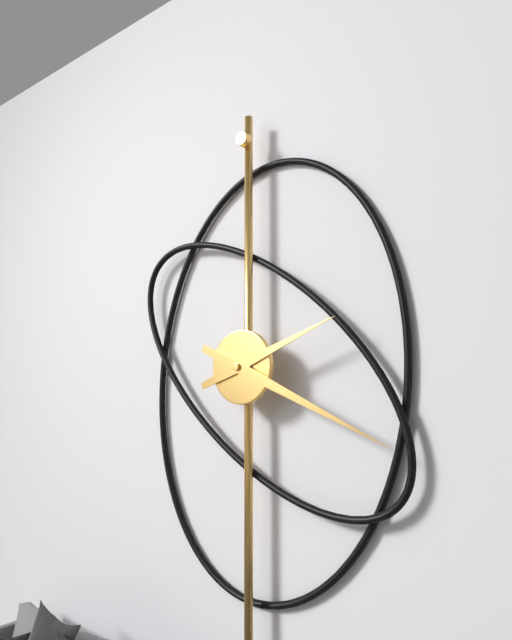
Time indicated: 2:19
